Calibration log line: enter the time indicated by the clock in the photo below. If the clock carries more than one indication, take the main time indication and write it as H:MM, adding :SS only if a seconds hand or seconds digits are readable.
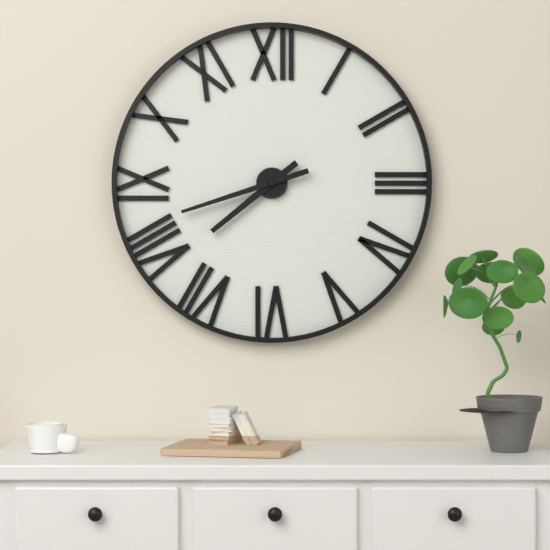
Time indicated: 7:42
